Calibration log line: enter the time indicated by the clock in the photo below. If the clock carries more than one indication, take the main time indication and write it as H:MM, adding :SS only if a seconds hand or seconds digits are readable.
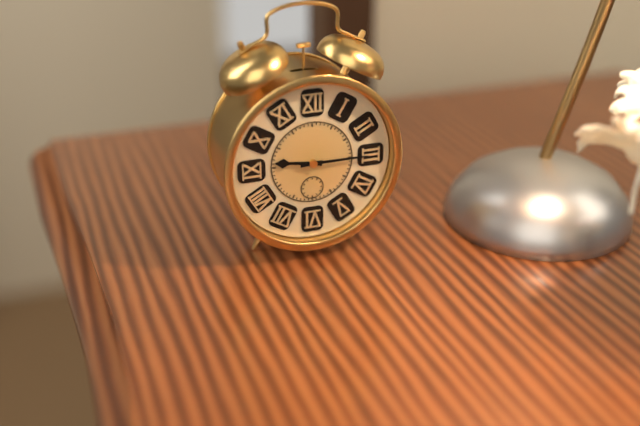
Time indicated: 9:15
